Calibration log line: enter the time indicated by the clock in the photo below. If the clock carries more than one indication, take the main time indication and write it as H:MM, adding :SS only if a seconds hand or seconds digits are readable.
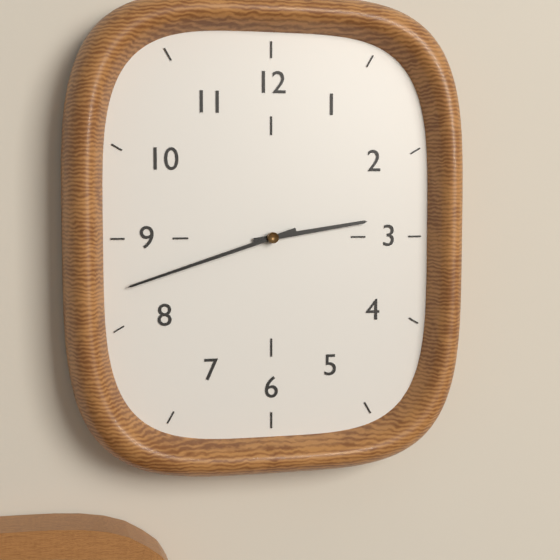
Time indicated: 2:42
